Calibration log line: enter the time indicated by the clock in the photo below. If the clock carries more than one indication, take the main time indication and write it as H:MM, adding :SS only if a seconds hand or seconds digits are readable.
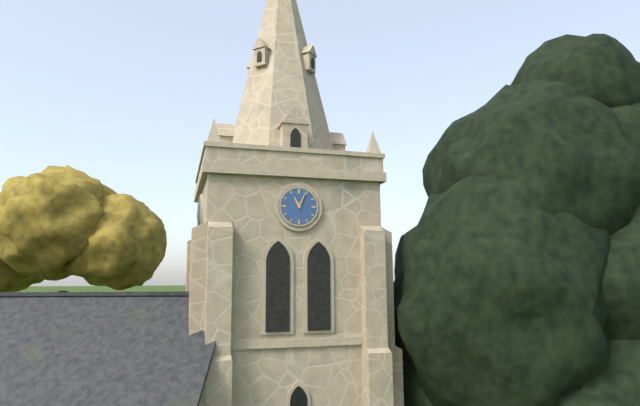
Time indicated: 11:04
